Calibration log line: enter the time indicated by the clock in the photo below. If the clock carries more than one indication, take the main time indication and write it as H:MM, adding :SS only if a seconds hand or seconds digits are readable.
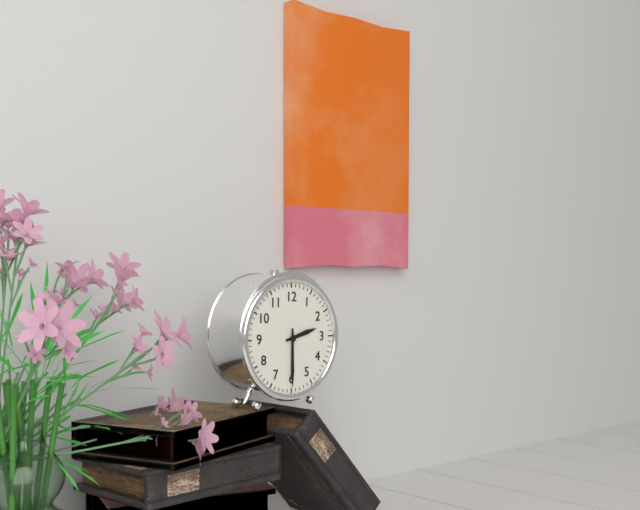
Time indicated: 2:30
